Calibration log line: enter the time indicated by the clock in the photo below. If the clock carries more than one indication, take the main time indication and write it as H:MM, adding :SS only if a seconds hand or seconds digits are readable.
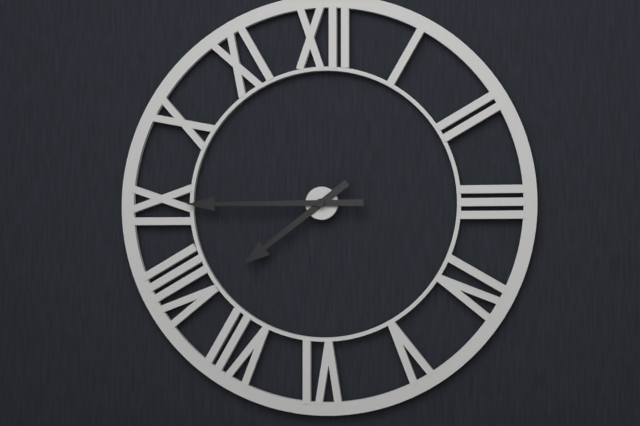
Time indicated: 7:45
